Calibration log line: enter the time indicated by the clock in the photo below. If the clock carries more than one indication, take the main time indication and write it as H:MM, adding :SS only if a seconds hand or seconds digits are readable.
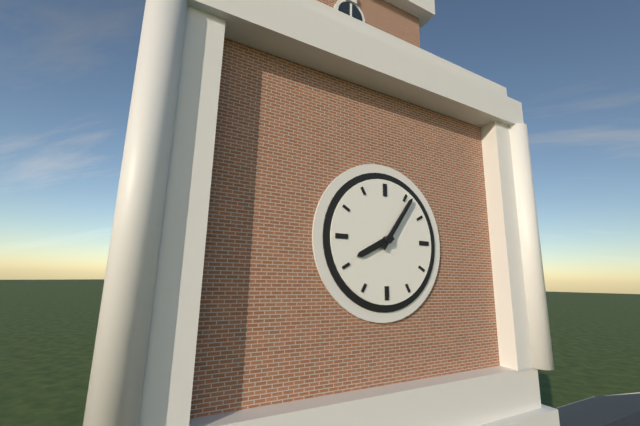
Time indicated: 8:06
